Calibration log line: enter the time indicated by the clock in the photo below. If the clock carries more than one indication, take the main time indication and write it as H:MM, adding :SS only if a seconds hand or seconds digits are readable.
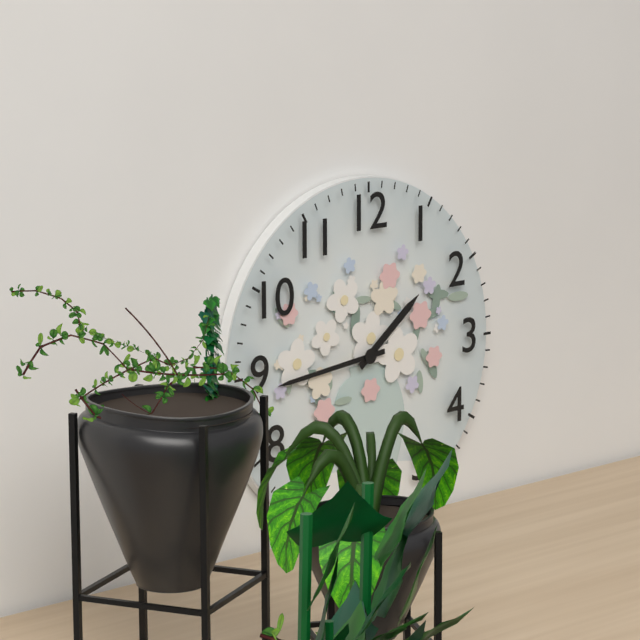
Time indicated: 1:44
